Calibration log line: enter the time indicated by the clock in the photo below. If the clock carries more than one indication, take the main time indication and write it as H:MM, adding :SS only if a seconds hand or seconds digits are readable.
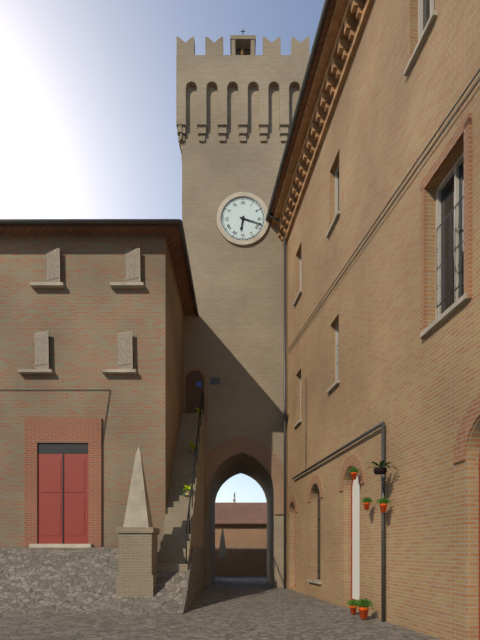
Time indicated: 6:18
